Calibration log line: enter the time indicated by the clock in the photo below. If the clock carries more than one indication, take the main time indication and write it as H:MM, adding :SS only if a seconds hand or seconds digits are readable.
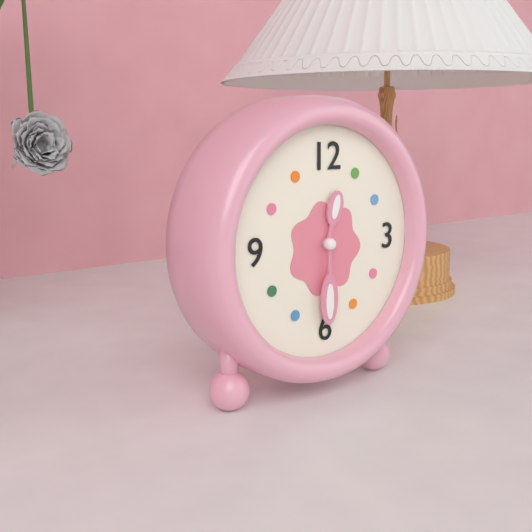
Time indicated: 12:30
